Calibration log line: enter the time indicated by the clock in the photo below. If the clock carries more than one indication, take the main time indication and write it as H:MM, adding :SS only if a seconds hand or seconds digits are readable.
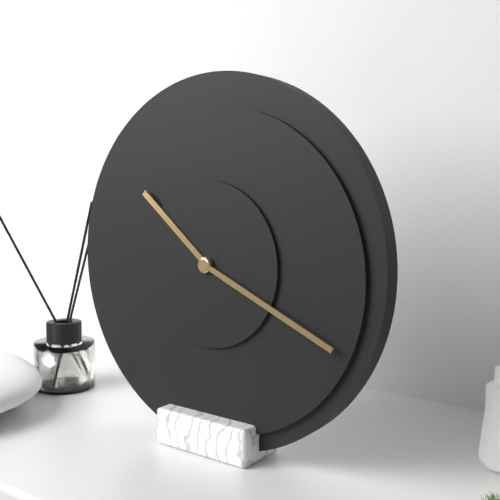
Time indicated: 10:19
